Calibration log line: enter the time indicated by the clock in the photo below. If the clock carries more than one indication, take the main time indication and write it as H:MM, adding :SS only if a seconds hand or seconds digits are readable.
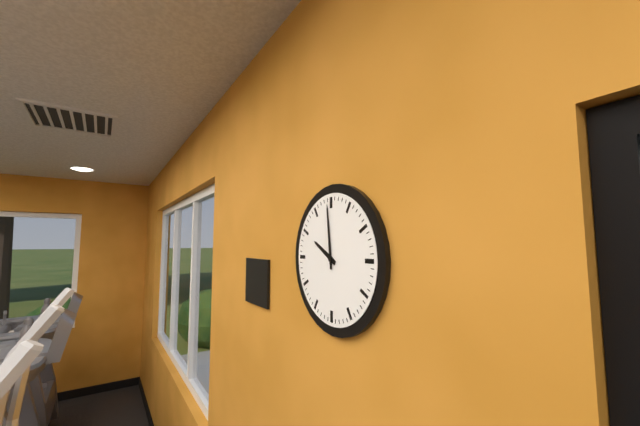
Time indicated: 9:59
